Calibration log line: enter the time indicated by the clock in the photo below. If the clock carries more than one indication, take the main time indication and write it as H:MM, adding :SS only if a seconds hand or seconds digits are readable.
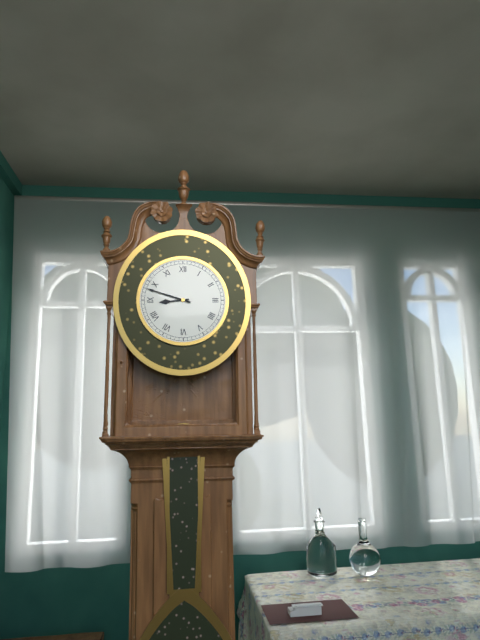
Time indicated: 8:48
